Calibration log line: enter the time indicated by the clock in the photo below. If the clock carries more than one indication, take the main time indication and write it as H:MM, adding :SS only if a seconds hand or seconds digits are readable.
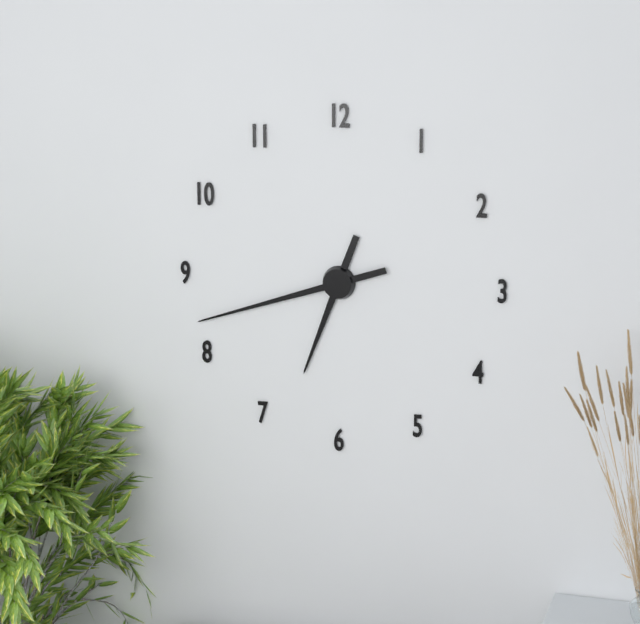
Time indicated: 6:42
